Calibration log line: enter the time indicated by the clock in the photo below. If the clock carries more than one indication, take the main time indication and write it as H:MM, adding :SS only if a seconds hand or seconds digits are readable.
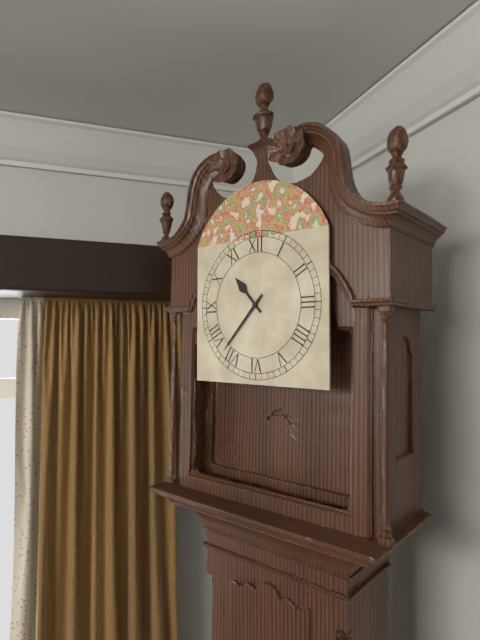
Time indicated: 10:37
